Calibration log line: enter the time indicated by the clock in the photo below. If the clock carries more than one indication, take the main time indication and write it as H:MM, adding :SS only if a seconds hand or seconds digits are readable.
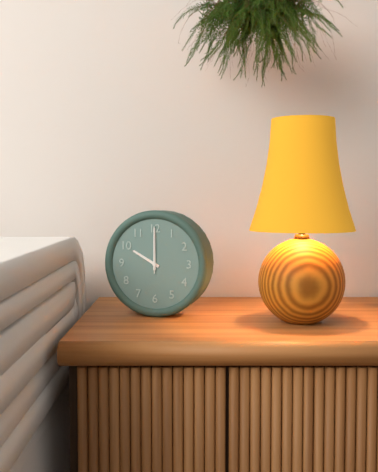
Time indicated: 10:00
